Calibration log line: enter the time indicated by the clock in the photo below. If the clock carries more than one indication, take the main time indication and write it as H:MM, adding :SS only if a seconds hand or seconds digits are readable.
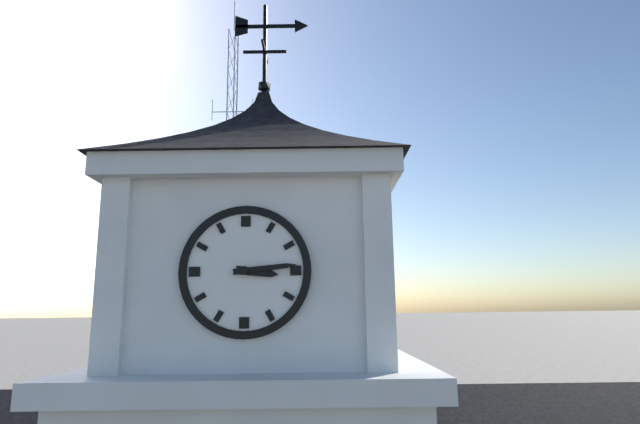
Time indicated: 3:14
